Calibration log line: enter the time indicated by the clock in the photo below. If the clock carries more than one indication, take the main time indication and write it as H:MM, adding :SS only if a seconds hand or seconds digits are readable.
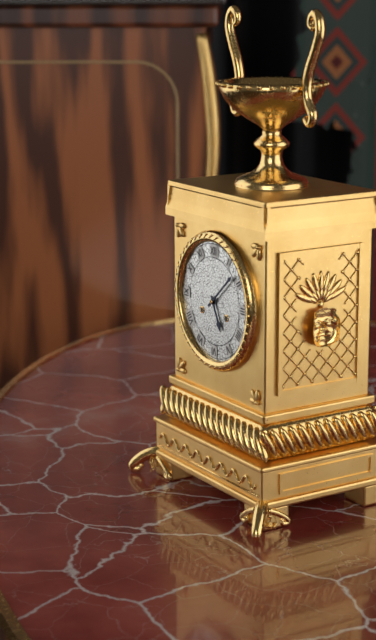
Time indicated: 5:08
